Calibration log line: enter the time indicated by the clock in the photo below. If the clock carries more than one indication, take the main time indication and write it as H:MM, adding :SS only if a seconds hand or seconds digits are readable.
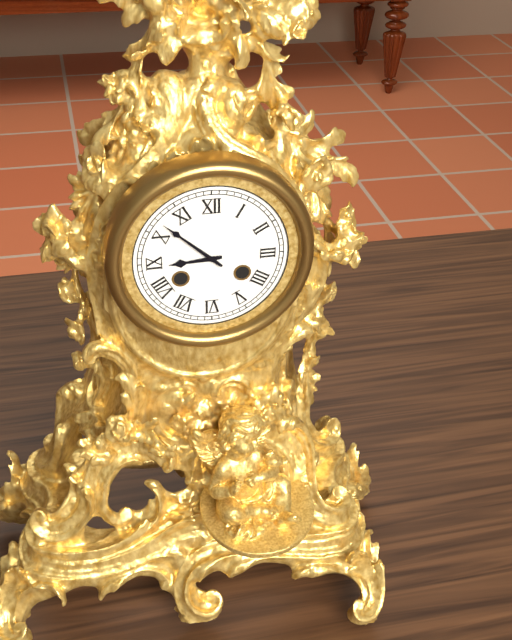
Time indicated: 8:52
